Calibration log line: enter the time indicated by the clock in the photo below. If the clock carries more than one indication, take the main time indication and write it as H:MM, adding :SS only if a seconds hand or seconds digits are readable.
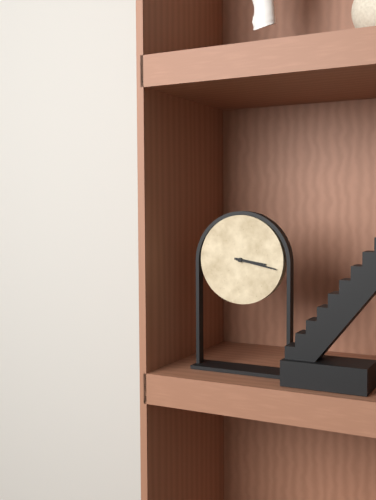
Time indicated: 3:17
